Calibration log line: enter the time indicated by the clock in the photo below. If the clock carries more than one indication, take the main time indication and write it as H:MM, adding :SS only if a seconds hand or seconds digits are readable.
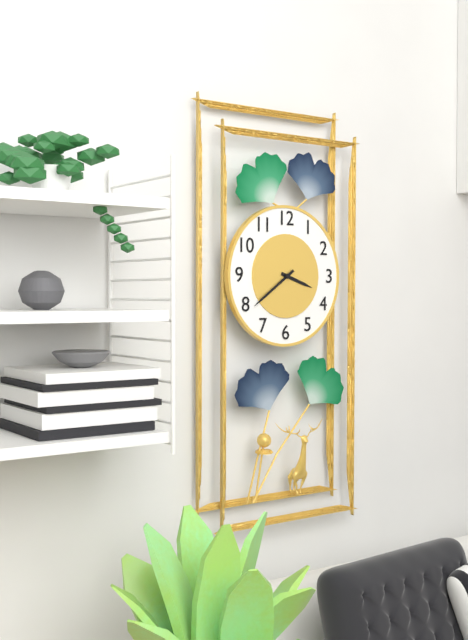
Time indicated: 3:39
